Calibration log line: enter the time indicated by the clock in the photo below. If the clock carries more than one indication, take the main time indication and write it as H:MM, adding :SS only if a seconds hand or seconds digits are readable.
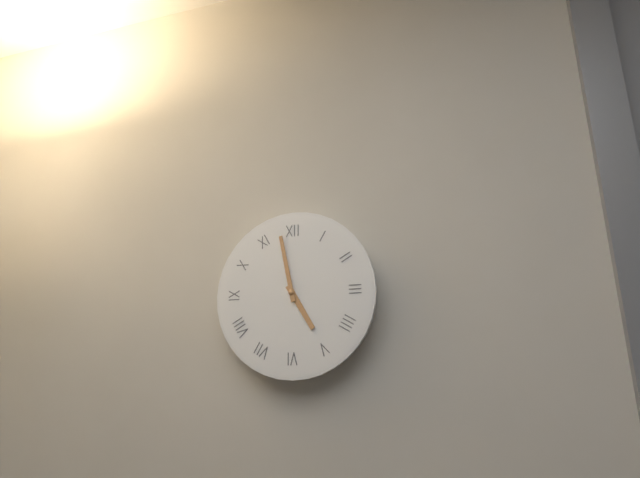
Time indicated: 4:58
